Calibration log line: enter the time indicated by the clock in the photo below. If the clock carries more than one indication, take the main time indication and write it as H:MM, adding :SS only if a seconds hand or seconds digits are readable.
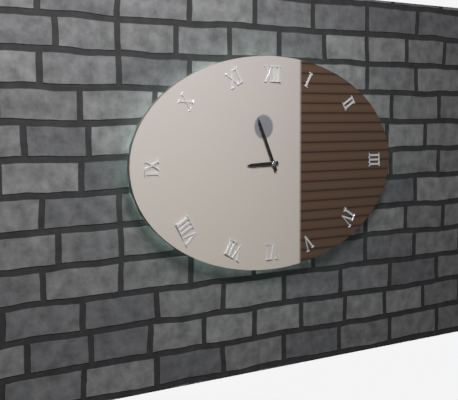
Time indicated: 8:56
